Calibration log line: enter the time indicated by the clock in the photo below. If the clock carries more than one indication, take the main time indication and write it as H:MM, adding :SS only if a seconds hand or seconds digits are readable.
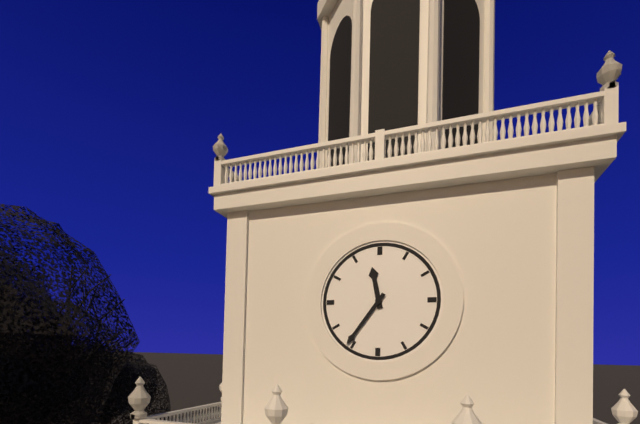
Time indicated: 11:36
